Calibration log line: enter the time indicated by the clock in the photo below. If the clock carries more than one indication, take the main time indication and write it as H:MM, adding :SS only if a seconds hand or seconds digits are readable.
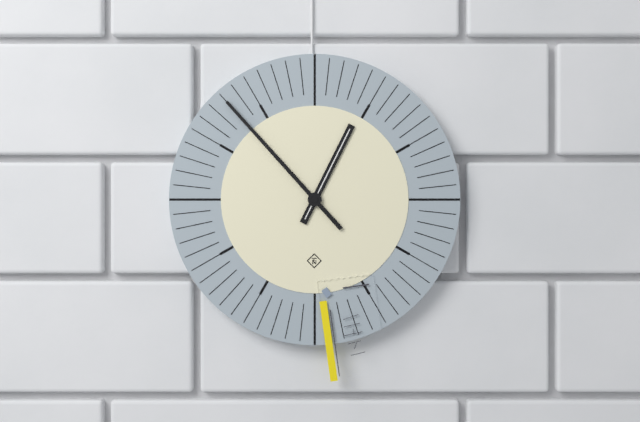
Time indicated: 12:53
